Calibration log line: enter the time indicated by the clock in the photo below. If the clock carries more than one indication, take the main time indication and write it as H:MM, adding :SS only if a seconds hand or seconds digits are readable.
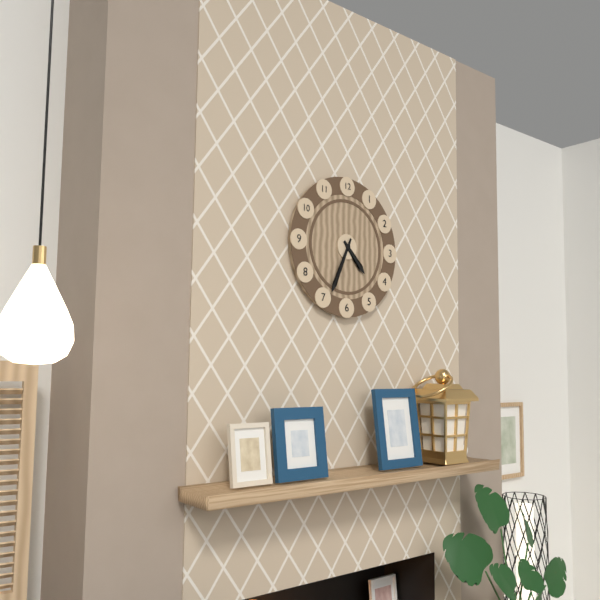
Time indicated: 4:34
